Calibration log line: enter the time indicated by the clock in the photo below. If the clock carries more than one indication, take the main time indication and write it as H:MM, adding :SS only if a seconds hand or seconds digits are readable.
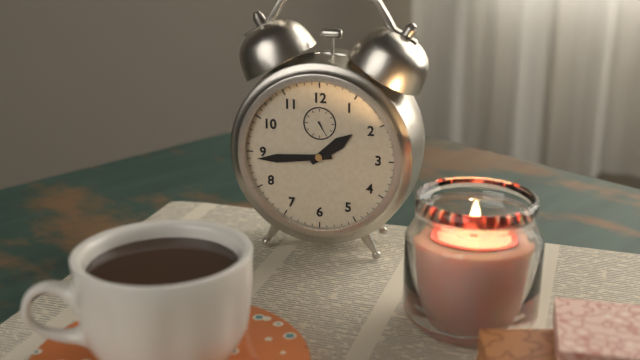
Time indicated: 1:44
